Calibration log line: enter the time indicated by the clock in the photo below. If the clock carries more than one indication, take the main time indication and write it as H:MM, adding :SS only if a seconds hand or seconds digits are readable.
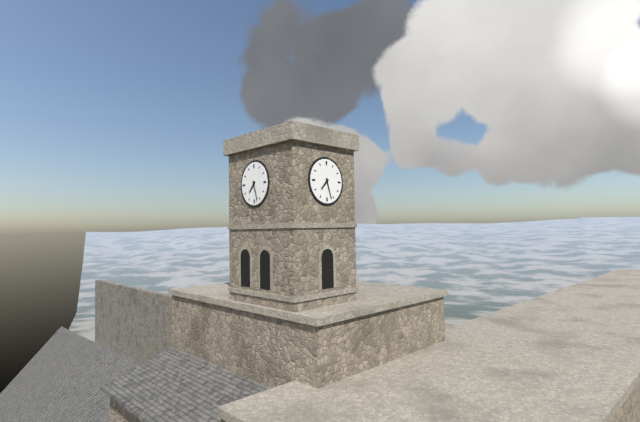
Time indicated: 7:27
